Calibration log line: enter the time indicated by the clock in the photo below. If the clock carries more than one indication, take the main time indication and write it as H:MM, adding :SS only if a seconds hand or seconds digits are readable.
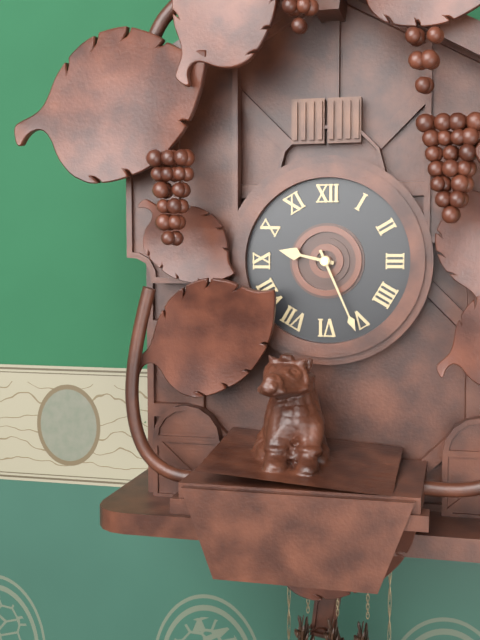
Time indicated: 9:26
